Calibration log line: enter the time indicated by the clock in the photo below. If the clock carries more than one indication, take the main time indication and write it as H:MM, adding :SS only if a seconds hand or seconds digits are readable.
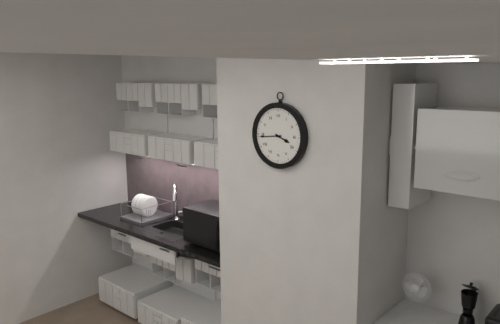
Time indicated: 3:44
